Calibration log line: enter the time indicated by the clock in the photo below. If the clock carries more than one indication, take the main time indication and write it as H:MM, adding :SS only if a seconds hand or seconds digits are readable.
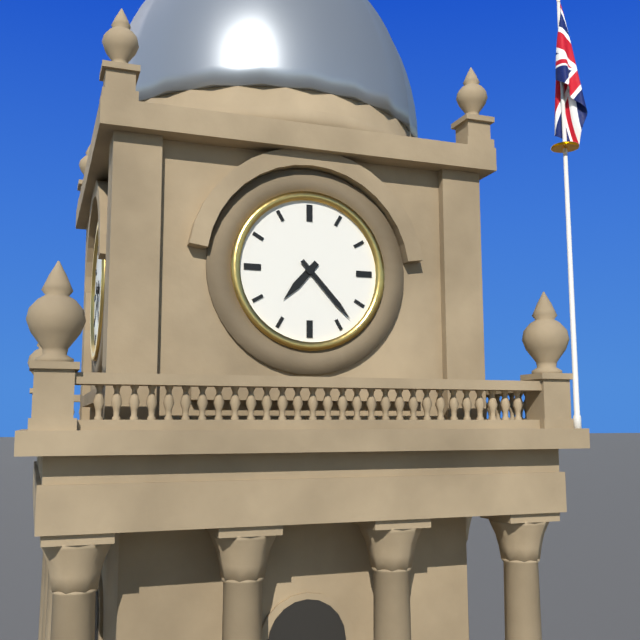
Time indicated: 7:23
